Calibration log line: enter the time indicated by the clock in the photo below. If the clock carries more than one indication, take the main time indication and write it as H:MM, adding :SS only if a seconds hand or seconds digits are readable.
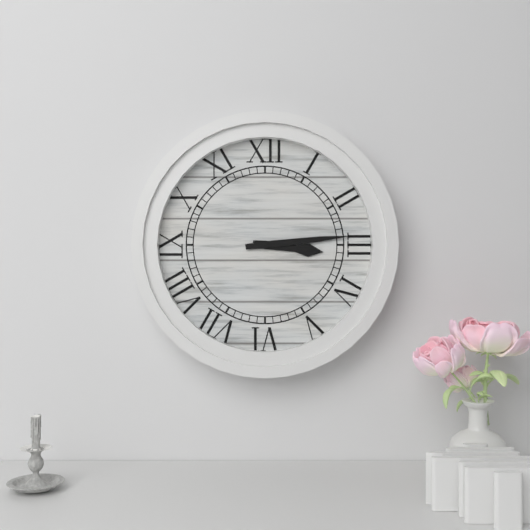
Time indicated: 3:14
